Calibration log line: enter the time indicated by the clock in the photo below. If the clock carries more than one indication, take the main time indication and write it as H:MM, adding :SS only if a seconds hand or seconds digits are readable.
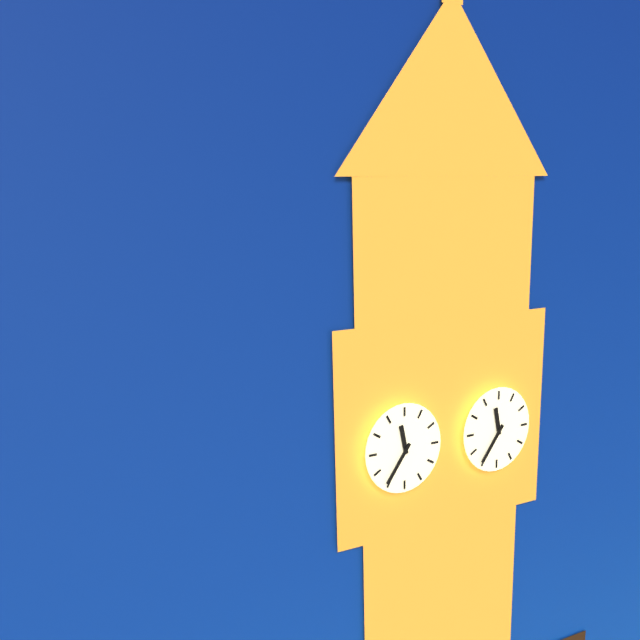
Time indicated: 11:36
